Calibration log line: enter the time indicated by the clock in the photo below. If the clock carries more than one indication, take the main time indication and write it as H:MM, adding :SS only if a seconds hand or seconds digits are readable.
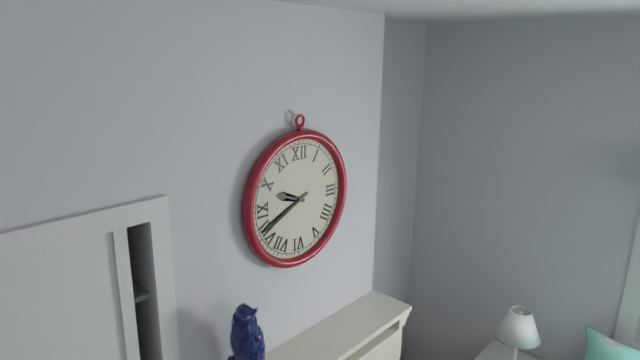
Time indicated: 9:41
